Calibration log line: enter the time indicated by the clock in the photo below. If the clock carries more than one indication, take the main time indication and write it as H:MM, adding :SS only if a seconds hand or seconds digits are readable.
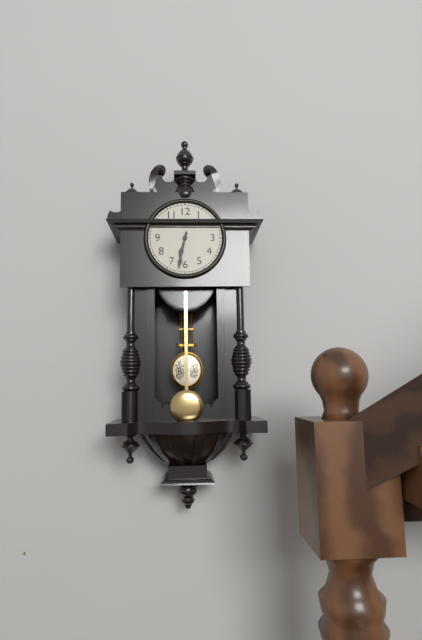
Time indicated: 6:32
